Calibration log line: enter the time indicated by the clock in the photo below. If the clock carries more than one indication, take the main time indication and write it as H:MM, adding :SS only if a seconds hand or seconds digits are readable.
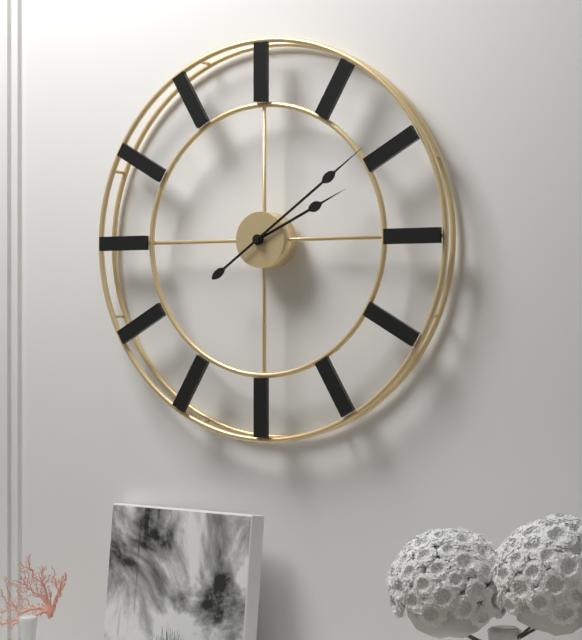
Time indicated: 2:09
